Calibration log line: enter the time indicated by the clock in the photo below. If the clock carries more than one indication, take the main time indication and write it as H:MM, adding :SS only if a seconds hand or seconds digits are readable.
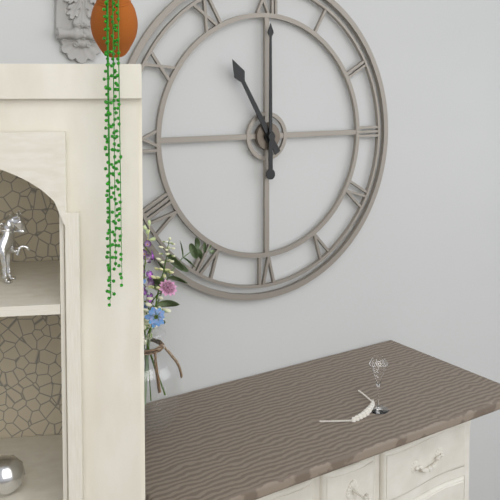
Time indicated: 11:00
